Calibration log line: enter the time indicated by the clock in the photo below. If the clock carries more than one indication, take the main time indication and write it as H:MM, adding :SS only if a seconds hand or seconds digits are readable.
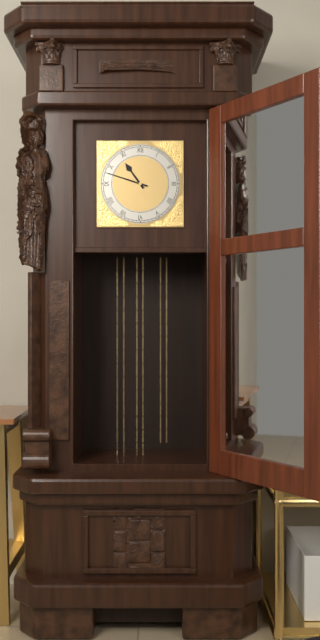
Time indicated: 10:48
